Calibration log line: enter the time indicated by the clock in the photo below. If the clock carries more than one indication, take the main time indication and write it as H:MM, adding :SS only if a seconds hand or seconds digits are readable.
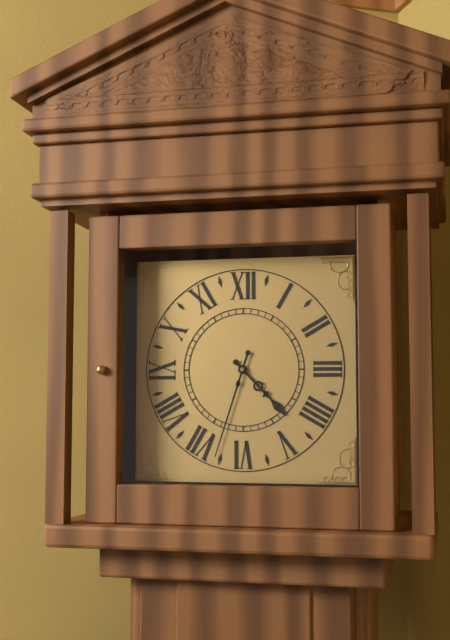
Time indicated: 4:33
